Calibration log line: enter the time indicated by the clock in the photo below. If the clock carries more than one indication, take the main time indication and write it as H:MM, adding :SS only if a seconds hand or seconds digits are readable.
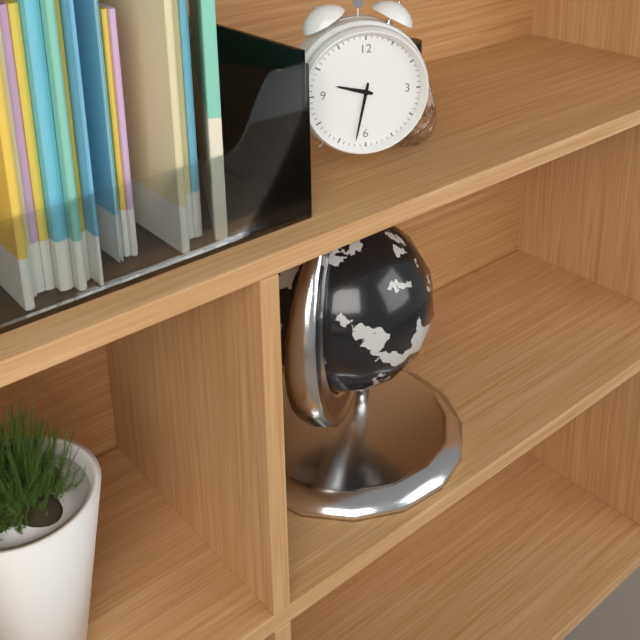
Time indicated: 9:32
